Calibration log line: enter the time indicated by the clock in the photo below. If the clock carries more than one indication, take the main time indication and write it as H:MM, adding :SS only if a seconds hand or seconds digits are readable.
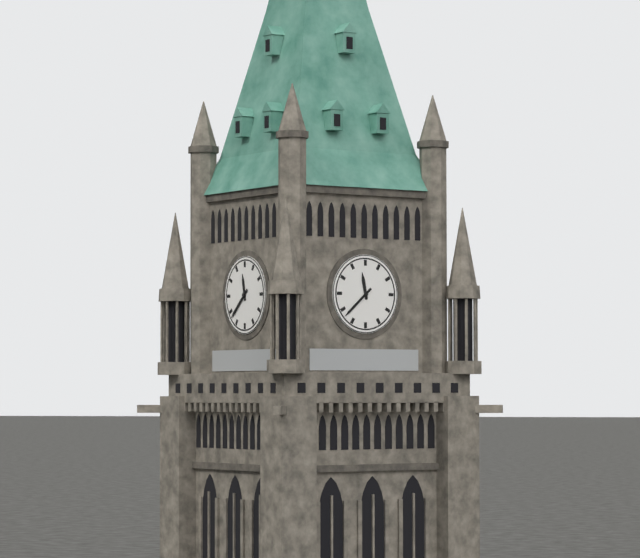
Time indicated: 11:38
